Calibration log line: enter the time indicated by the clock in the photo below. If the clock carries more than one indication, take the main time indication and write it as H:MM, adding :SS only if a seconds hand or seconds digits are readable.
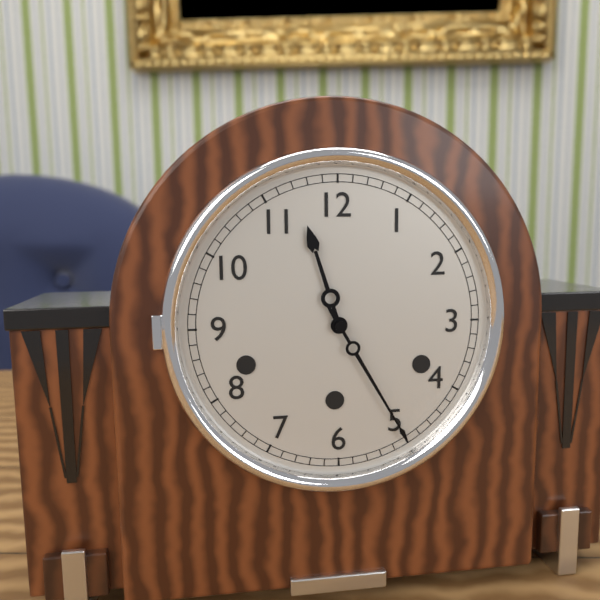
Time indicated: 11:25
